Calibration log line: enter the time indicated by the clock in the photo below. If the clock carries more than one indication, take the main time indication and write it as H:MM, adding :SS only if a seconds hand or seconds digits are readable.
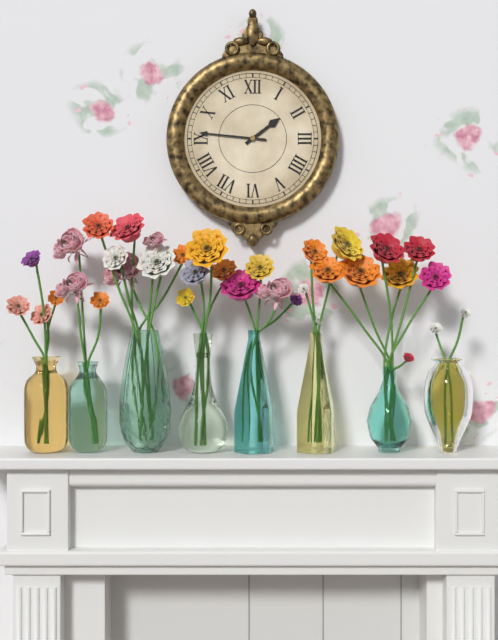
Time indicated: 1:46
